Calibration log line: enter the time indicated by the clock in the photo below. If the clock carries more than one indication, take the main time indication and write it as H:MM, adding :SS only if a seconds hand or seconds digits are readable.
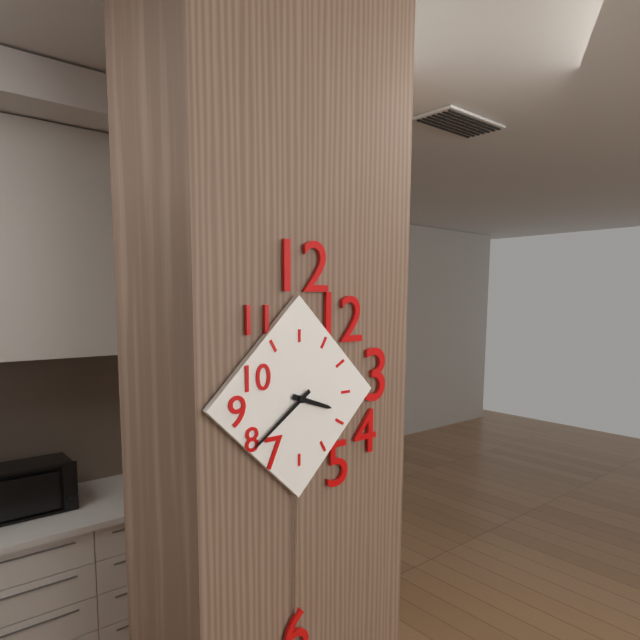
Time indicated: 3:39
